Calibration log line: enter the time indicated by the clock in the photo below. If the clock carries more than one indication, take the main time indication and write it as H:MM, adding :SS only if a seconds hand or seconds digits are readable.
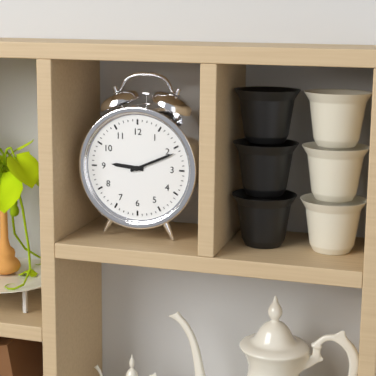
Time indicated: 9:11
